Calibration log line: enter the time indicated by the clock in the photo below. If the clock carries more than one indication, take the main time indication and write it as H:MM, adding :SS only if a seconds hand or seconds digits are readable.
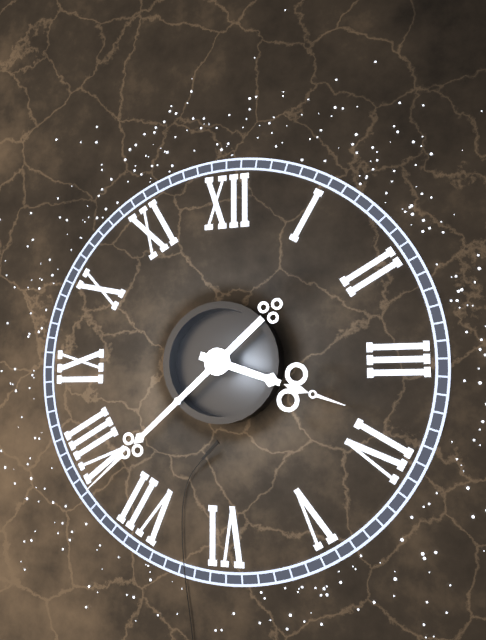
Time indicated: 3:38
